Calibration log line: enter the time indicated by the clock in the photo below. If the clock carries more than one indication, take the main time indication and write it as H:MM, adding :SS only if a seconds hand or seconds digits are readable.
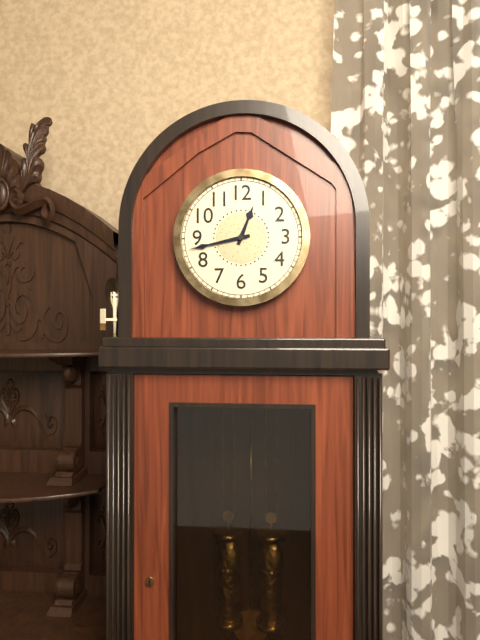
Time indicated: 12:43
